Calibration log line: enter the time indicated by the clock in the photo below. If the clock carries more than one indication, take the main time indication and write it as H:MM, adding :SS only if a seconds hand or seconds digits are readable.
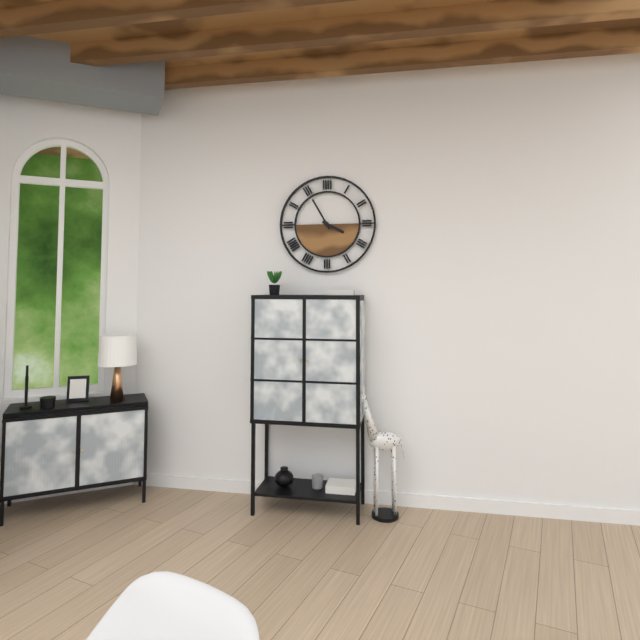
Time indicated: 3:55
